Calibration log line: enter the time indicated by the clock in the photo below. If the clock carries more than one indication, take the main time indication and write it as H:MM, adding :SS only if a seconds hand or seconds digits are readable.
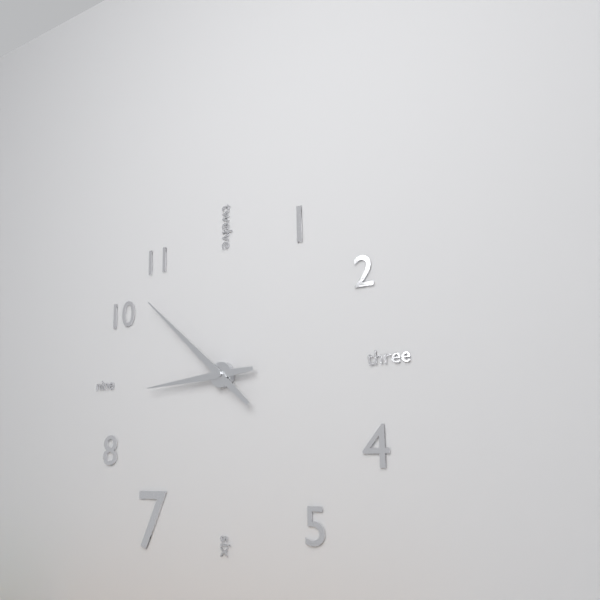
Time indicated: 8:52
